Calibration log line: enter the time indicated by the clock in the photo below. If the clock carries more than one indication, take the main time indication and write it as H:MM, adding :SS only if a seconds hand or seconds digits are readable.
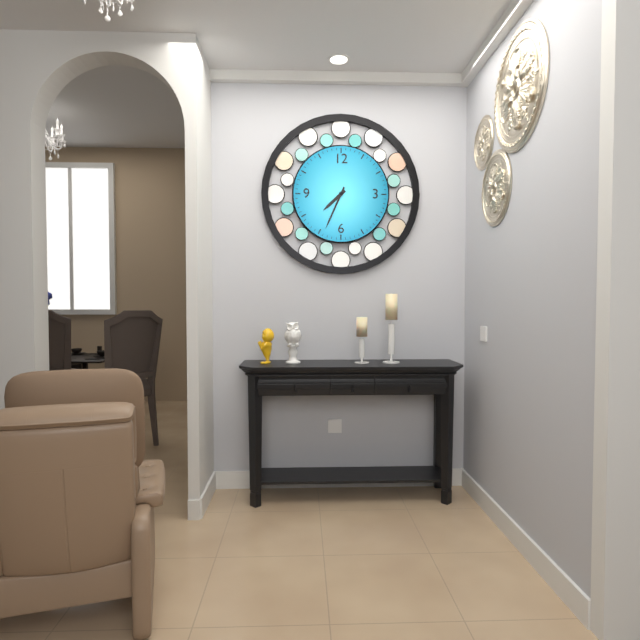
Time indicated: 7:34
